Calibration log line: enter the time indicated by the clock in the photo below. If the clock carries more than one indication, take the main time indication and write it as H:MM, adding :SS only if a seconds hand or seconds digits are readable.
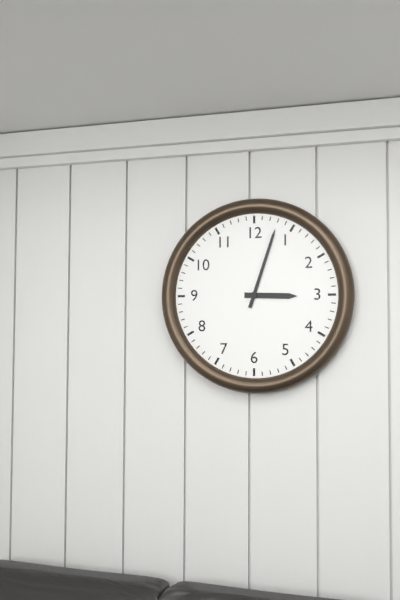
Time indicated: 3:03
